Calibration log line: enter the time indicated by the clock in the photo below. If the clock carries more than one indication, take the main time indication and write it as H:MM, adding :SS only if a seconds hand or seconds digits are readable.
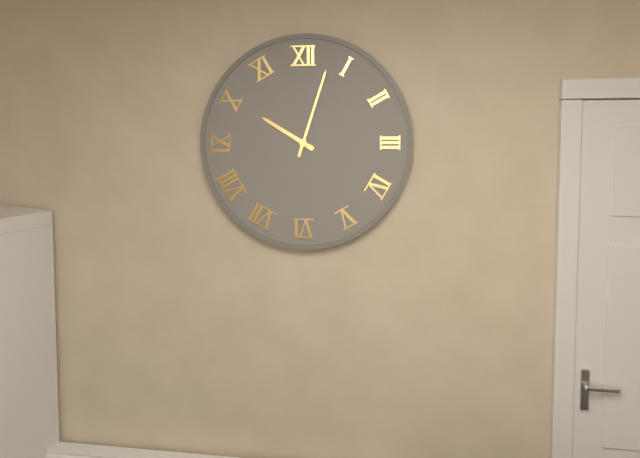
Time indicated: 10:03
